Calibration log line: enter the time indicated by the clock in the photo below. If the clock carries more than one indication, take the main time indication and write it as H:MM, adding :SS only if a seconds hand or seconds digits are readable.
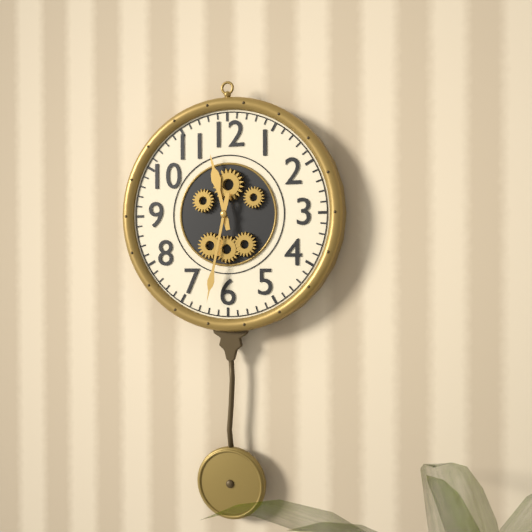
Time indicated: 11:32
